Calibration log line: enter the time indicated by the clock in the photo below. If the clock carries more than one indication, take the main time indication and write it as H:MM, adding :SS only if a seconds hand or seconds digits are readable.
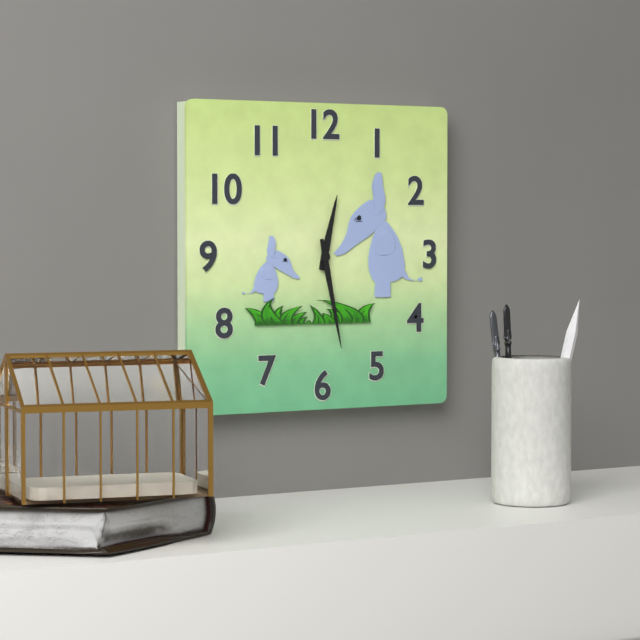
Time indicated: 12:28
